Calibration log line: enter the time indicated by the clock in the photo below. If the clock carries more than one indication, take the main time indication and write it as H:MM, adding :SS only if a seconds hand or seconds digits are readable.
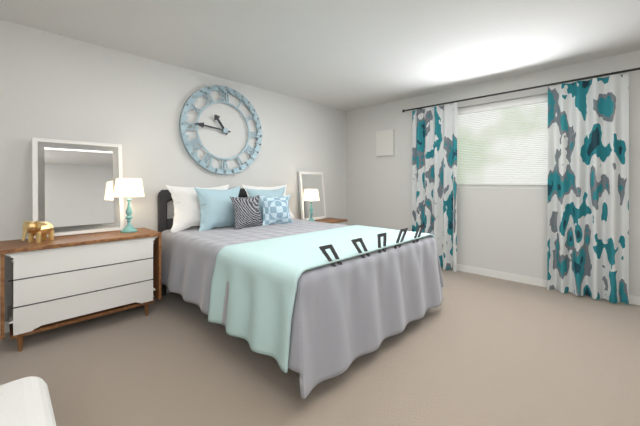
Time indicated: 10:46
